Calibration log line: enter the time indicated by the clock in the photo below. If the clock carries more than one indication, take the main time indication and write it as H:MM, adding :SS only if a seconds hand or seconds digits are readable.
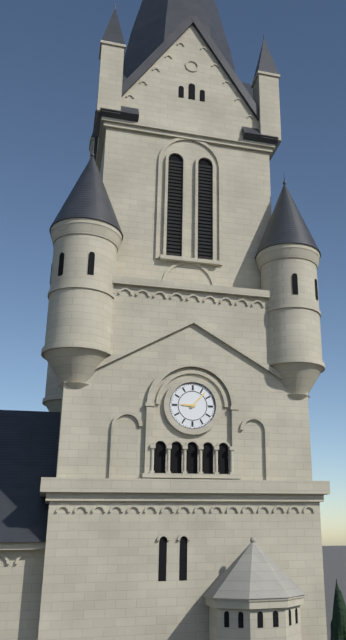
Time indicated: 9:07
